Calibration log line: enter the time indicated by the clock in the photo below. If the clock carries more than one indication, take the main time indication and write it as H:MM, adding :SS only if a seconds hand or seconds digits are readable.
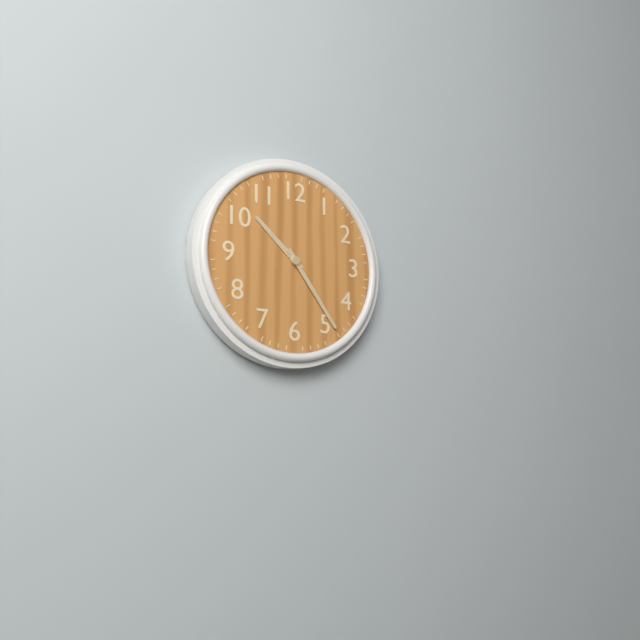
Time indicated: 10:24
